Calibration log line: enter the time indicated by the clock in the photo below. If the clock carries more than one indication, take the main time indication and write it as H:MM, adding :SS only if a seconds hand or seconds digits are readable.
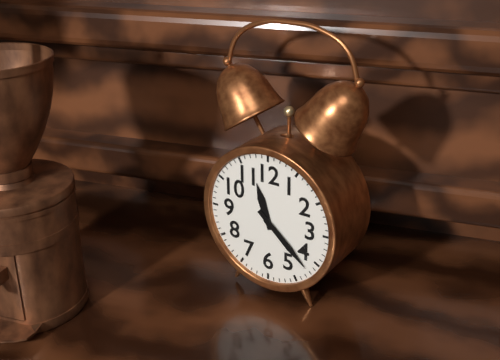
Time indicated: 11:22
